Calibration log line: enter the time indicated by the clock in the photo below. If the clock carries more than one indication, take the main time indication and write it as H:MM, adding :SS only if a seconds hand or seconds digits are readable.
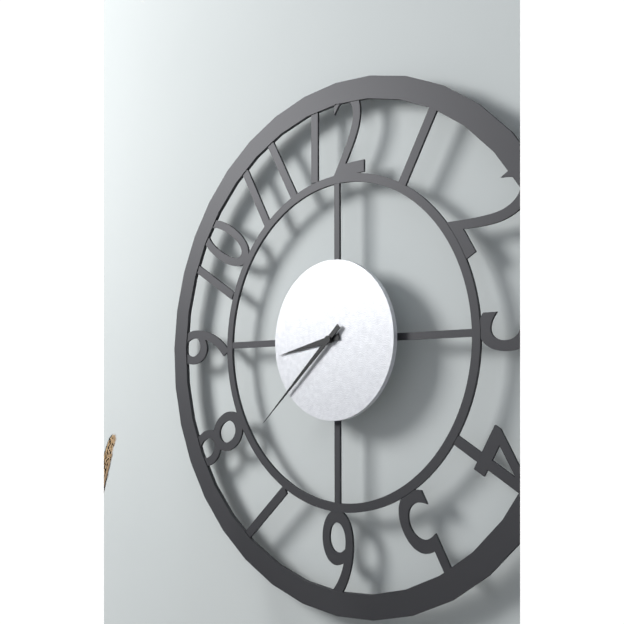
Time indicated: 8:38
